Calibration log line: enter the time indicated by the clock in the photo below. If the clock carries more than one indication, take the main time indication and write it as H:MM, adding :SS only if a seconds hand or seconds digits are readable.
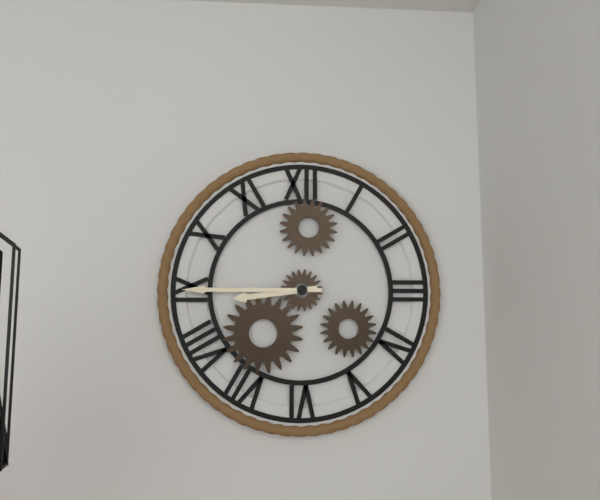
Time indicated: 8:45
